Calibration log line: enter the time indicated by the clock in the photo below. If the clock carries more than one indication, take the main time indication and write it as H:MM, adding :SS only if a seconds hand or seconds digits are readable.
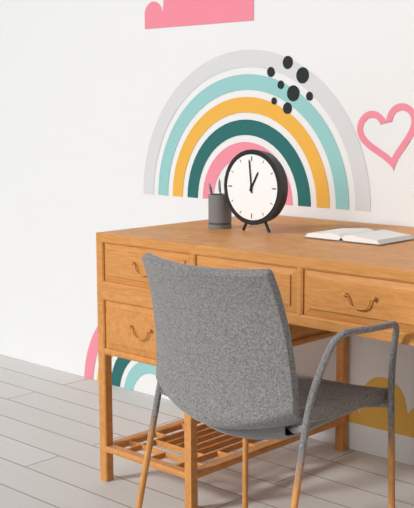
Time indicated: 12:59
